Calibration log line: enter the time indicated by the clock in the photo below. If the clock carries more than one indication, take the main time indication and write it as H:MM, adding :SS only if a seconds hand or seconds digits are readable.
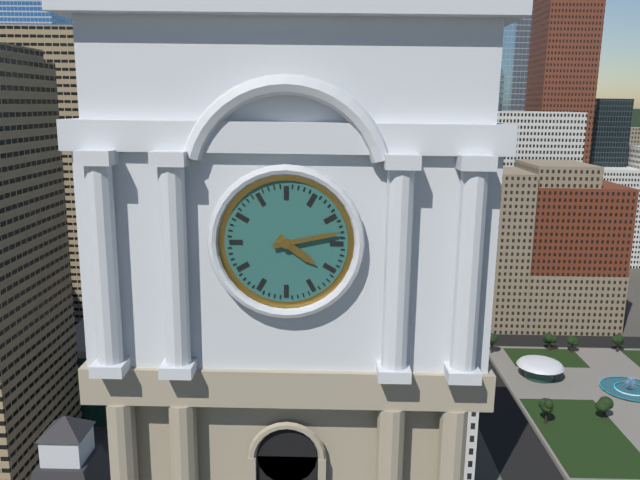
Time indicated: 4:13
